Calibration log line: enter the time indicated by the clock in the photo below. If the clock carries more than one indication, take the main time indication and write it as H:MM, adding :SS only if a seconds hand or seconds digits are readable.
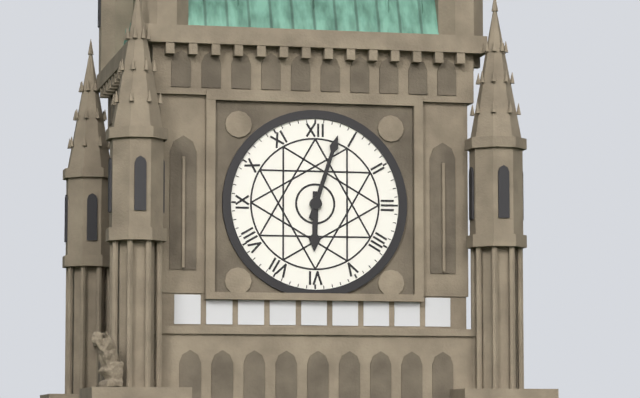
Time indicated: 6:03
